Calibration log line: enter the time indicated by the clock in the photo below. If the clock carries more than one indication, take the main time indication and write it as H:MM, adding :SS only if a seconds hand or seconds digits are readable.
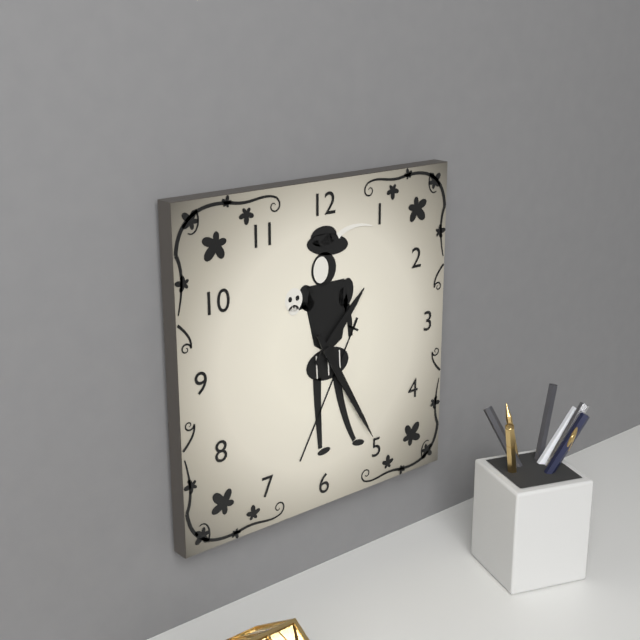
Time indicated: 1:25
